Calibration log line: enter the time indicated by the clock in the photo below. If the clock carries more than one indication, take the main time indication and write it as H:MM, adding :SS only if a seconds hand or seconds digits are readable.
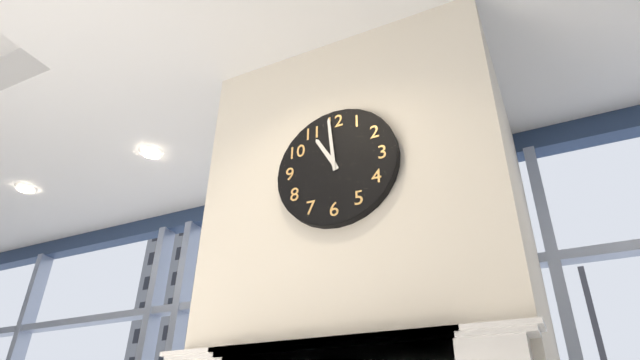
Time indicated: 10:59
